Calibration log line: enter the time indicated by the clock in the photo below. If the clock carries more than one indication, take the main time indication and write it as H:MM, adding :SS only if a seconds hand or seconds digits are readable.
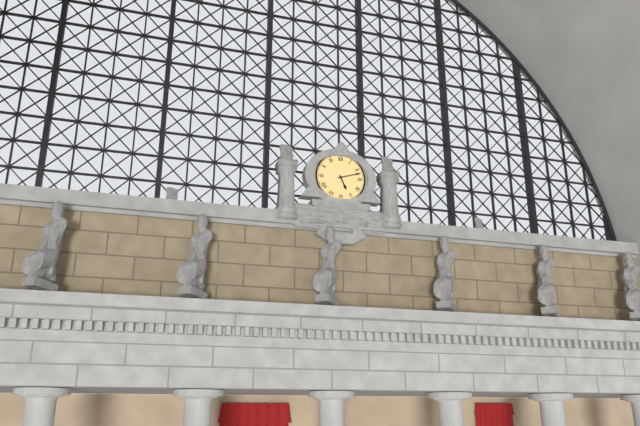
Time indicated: 5:12
